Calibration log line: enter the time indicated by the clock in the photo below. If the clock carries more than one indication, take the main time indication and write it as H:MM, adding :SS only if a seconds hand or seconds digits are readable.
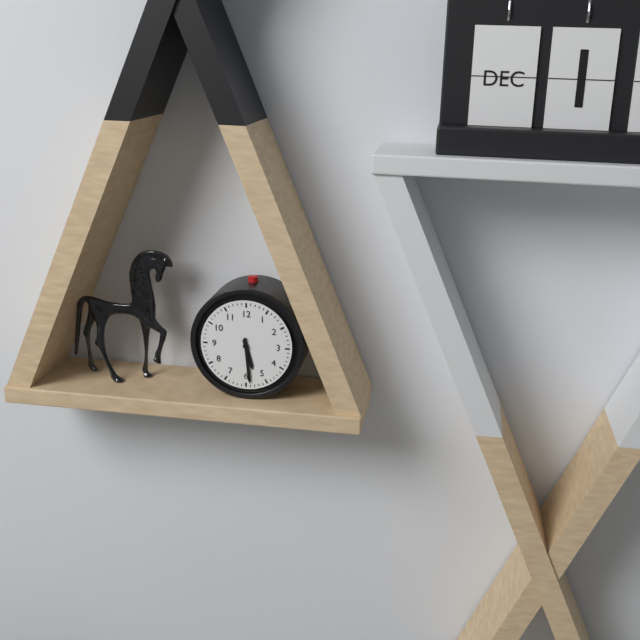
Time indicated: 5:29
